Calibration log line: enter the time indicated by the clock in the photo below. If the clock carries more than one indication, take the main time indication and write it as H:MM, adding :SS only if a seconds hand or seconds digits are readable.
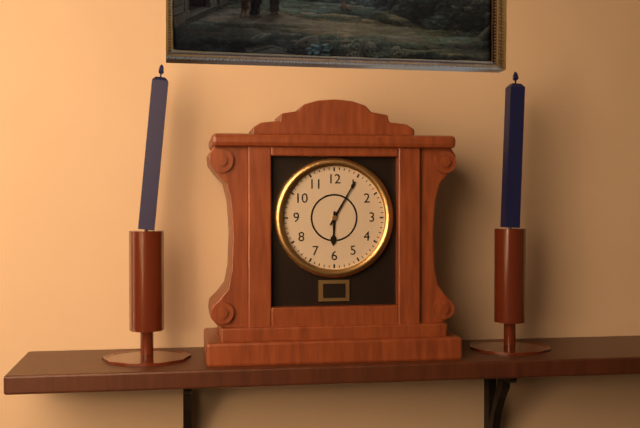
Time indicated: 6:05
